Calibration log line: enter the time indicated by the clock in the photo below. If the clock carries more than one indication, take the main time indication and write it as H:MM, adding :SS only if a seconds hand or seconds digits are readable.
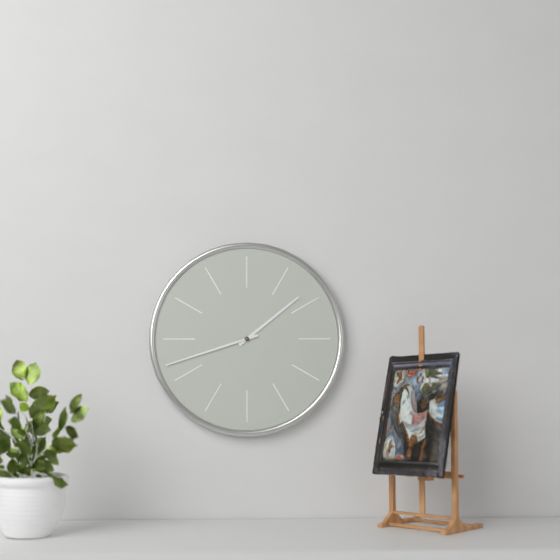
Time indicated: 1:42
